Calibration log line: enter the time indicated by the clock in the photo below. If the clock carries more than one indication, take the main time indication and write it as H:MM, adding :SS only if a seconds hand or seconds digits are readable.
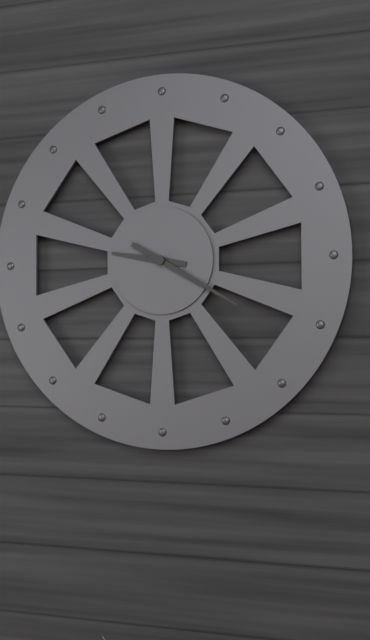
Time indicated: 9:20
